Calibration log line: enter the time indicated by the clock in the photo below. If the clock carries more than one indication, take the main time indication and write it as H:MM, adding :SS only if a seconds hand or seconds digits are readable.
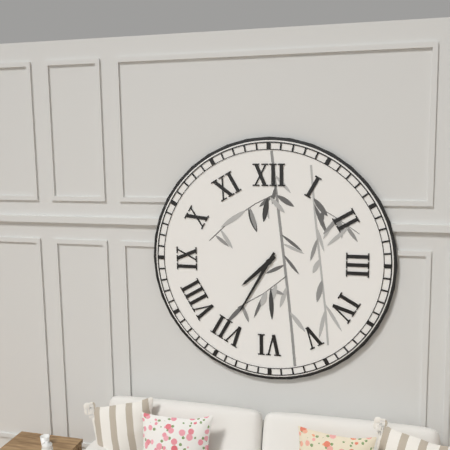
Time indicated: 7:35
